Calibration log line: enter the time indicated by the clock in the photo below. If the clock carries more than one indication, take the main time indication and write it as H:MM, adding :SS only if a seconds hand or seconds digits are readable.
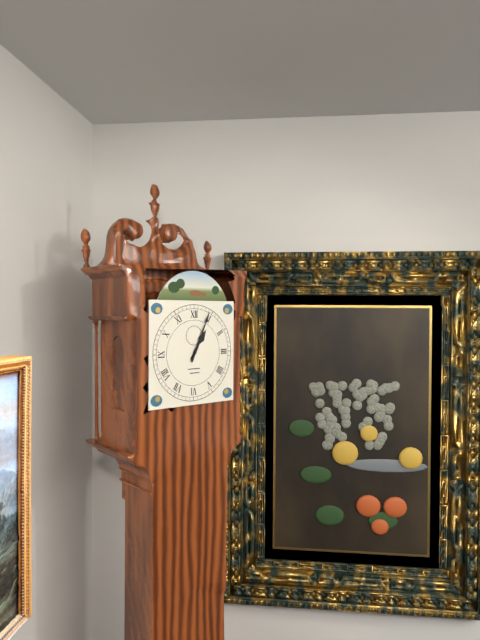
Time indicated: 1:04
